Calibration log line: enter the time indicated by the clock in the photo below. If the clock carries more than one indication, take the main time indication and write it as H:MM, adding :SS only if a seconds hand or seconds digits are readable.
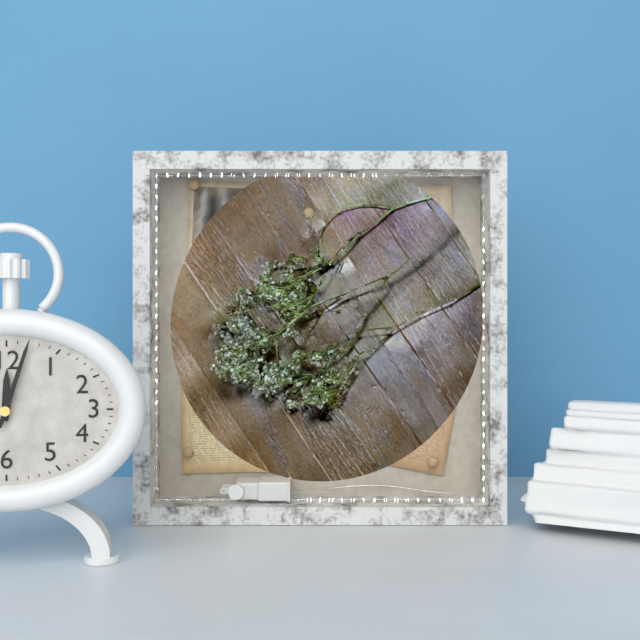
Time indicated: 12:03
